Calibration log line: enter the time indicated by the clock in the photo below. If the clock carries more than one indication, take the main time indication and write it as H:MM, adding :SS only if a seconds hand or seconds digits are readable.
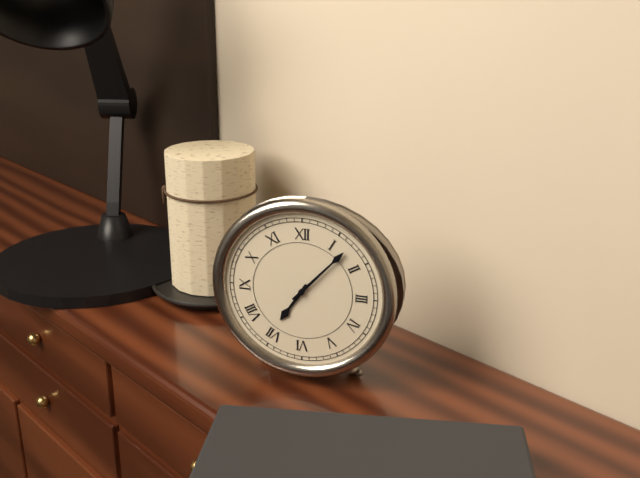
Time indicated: 7:07
